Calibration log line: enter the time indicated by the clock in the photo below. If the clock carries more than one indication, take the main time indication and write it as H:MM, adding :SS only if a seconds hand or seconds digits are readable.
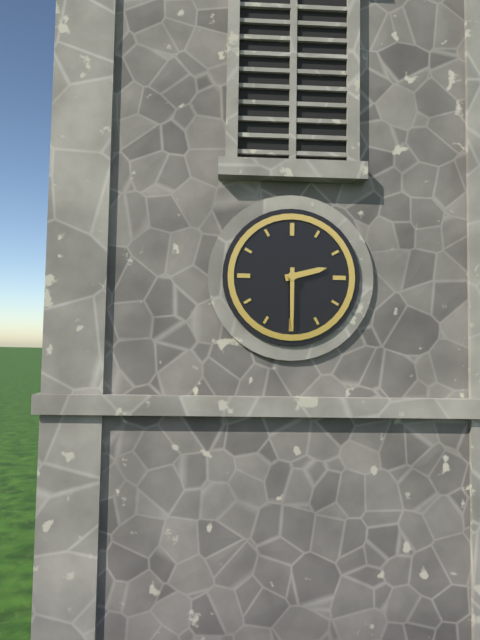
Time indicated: 2:30
